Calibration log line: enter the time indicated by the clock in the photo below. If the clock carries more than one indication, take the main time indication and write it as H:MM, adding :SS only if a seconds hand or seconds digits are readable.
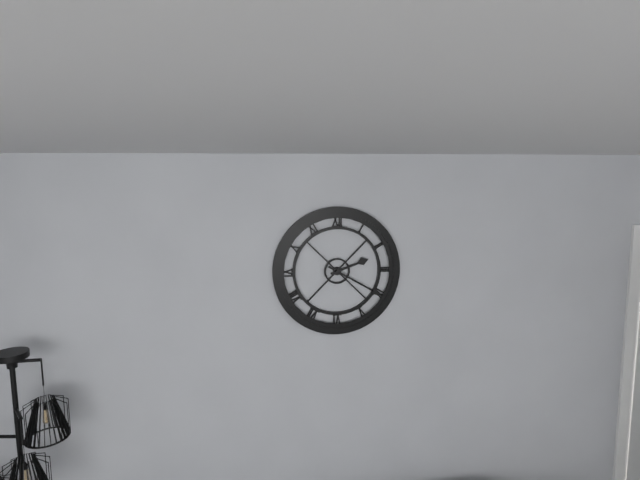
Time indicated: 2:20
